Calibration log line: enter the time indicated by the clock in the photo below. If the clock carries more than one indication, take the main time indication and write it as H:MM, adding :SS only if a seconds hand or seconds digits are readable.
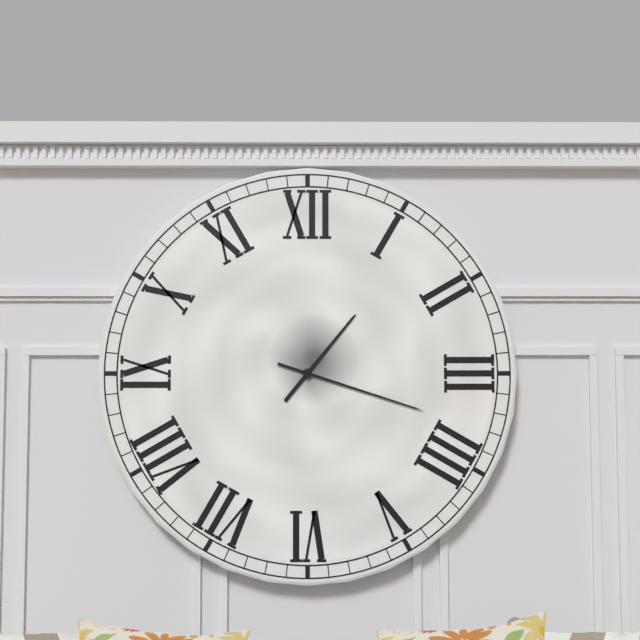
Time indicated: 1:18
